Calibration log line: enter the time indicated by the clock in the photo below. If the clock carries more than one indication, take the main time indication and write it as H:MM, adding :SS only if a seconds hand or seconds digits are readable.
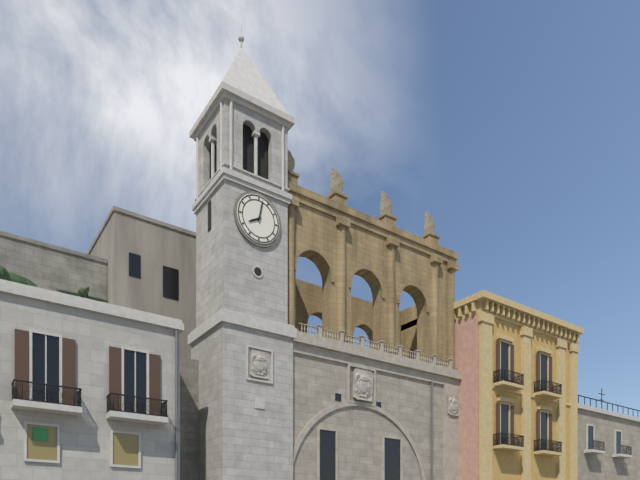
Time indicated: 8:02
